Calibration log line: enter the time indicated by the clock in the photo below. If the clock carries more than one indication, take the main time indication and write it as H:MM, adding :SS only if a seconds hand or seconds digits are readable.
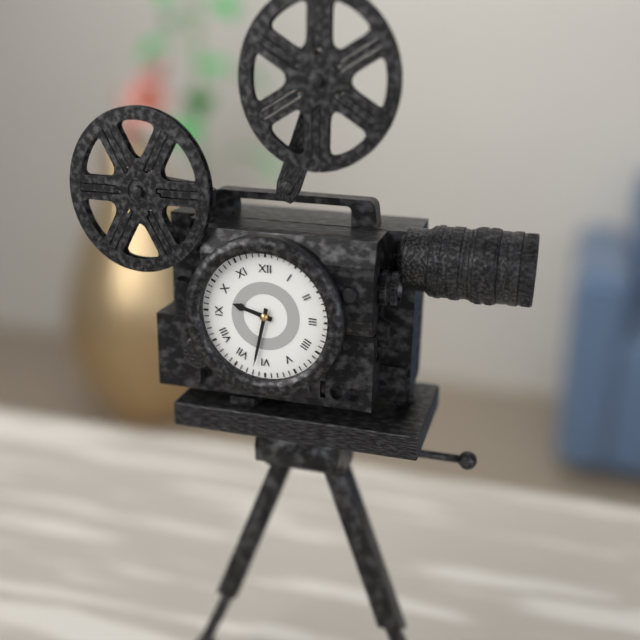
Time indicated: 9:32
